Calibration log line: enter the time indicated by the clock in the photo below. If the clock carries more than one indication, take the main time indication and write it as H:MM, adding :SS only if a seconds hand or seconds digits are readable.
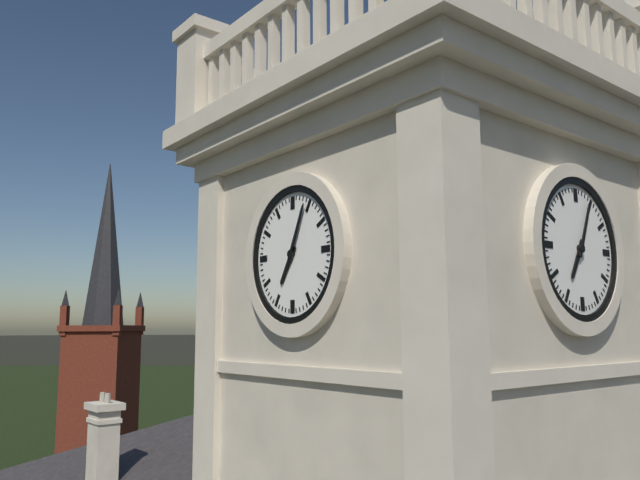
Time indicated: 7:04
